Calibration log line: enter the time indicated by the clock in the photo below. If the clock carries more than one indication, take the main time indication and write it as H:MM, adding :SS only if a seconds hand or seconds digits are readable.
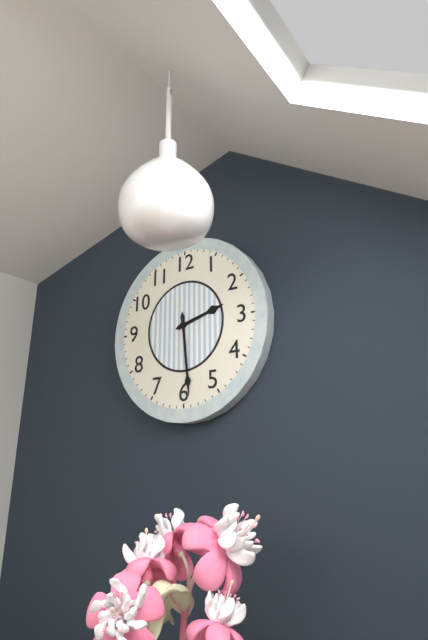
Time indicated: 2:29
